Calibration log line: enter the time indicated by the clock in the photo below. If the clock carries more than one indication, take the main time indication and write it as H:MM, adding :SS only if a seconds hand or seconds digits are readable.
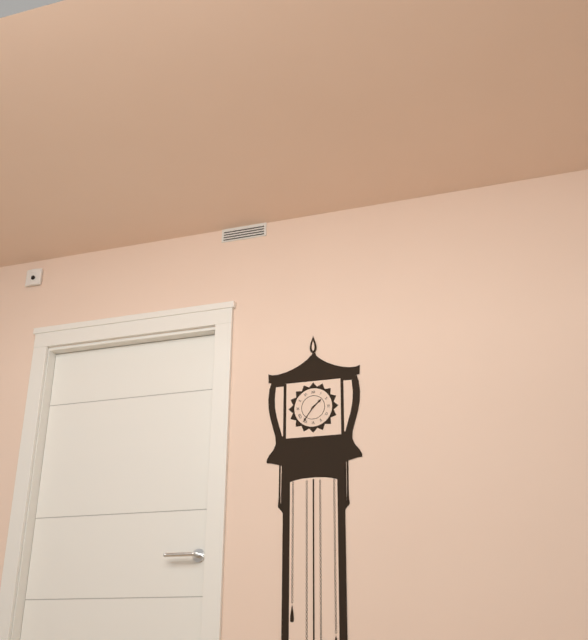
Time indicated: 1:36
